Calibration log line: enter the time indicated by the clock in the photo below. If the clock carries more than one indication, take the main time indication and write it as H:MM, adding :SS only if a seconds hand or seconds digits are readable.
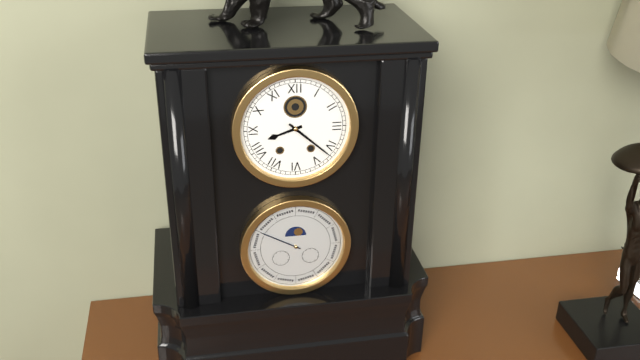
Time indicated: 8:22
